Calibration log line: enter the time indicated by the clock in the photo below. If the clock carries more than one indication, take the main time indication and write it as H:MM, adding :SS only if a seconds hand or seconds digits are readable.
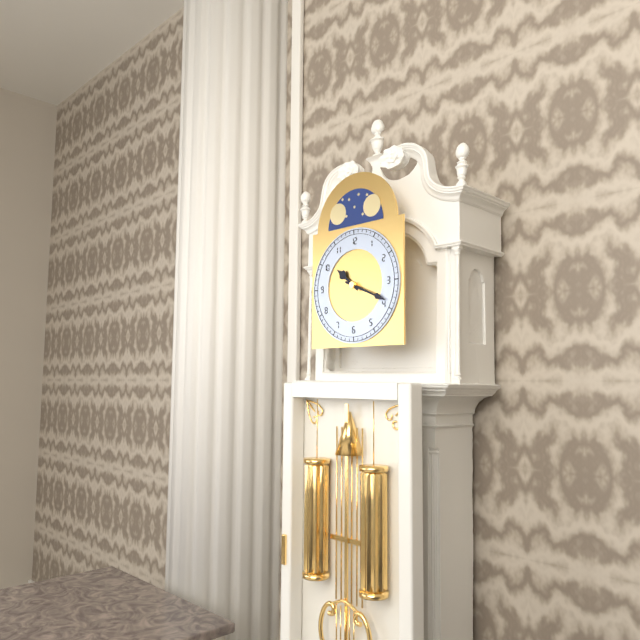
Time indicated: 10:19
